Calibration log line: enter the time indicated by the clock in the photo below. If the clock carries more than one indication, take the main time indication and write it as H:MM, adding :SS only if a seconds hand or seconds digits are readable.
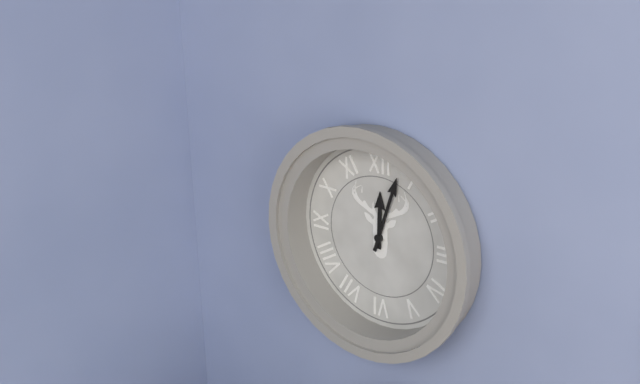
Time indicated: 12:03
